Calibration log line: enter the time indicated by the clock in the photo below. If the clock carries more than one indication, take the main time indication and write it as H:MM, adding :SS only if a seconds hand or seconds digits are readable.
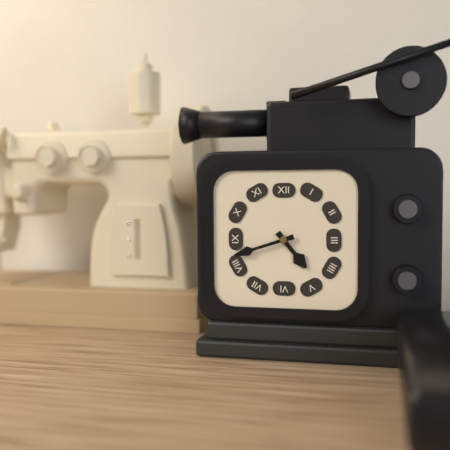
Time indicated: 4:42
